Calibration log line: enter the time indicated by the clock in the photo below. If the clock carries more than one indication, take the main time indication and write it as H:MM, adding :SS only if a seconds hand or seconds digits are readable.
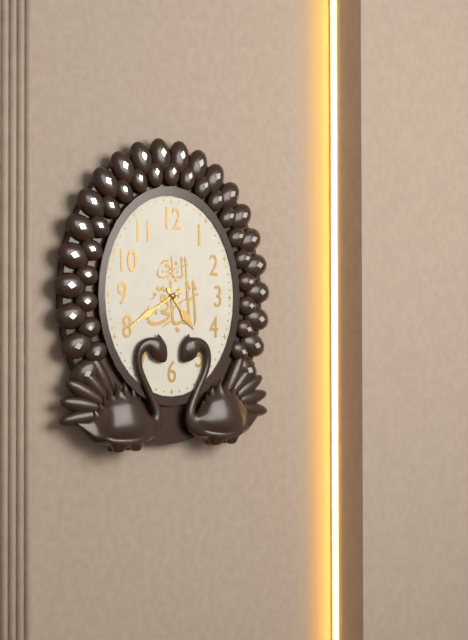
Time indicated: 4:40
